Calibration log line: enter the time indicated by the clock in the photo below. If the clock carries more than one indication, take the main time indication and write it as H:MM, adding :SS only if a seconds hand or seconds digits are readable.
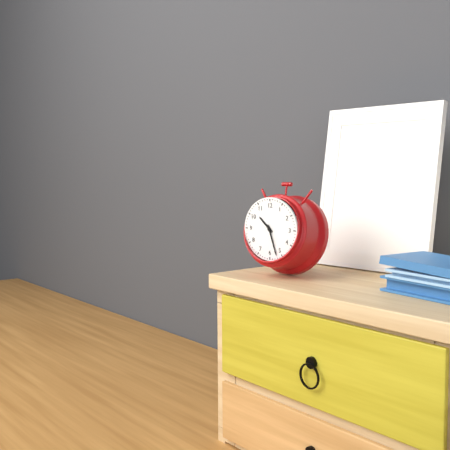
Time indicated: 10:27
